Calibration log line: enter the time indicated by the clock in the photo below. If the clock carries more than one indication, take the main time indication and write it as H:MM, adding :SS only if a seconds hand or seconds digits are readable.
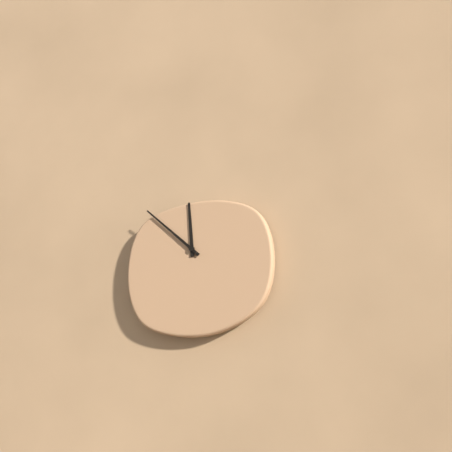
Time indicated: 11:52
